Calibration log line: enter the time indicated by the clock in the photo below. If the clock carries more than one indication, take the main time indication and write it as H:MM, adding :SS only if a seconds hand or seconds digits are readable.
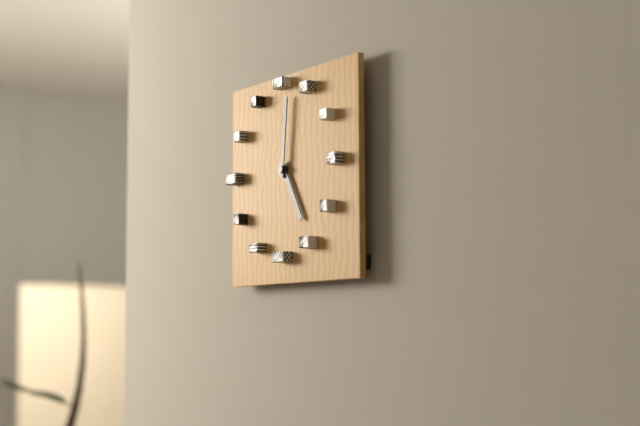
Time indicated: 5:01
